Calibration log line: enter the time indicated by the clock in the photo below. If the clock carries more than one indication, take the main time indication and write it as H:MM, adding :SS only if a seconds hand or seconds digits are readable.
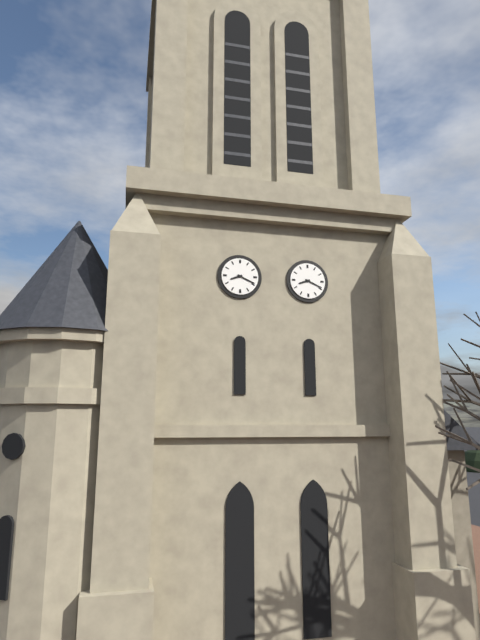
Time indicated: 8:19
